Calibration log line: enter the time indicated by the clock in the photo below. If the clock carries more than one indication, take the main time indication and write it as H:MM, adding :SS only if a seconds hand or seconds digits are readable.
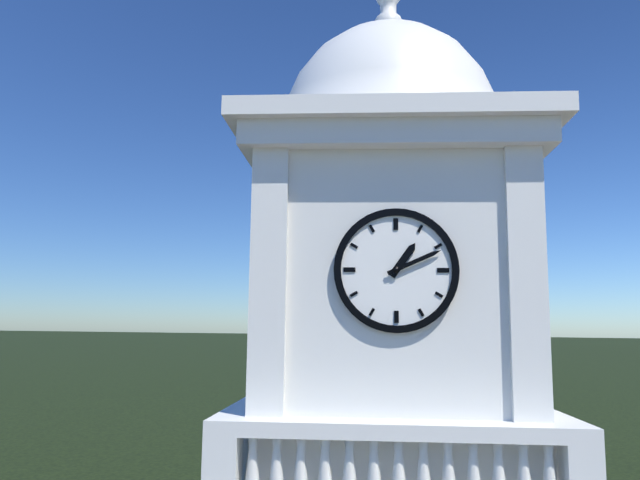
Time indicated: 1:11
